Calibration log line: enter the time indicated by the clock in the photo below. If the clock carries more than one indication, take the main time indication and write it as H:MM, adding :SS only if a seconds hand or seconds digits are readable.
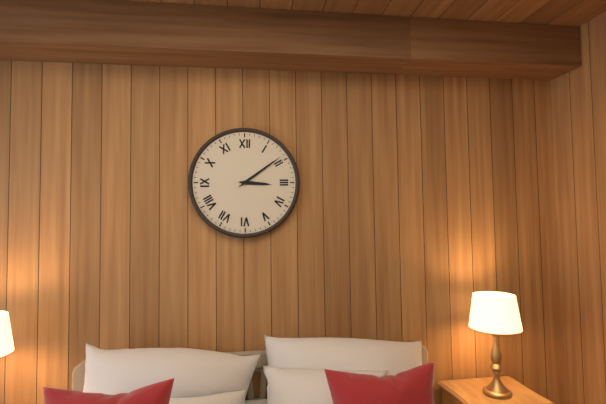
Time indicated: 3:09
